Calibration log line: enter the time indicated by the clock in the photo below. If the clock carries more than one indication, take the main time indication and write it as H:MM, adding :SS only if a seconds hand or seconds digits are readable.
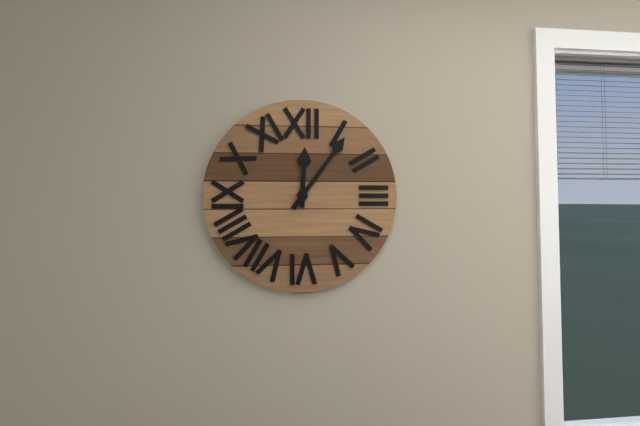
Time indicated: 12:06
